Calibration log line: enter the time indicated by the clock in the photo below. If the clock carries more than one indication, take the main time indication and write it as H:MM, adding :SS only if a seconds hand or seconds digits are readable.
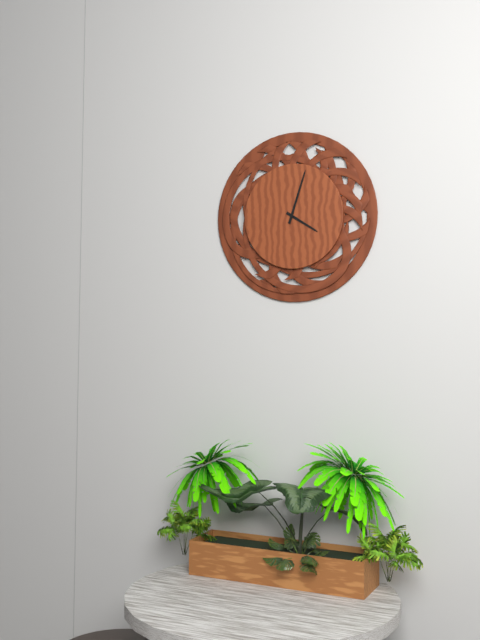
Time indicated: 4:03
